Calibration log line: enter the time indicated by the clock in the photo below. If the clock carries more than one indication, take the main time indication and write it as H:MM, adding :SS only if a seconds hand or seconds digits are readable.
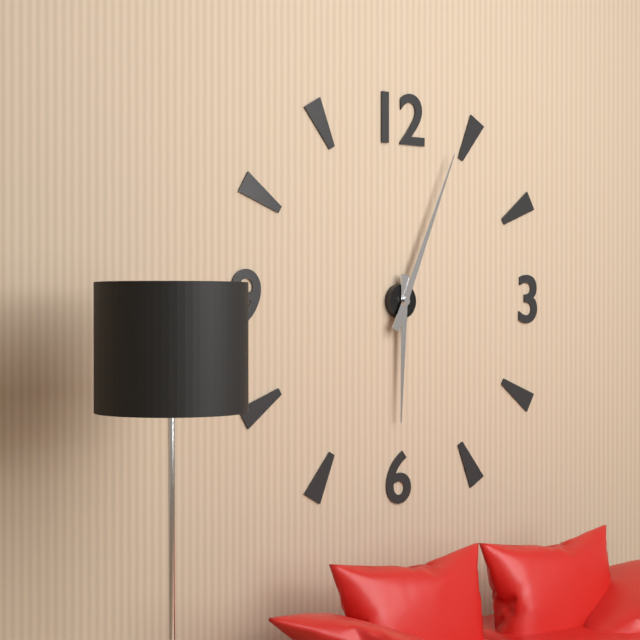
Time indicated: 6:04
